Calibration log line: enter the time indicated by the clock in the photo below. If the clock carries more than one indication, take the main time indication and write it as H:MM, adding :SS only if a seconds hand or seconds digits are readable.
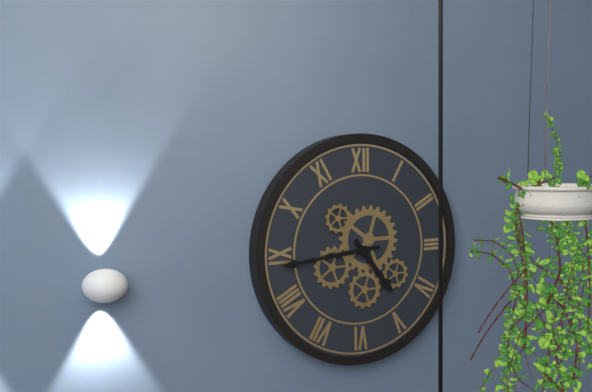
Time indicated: 4:44
